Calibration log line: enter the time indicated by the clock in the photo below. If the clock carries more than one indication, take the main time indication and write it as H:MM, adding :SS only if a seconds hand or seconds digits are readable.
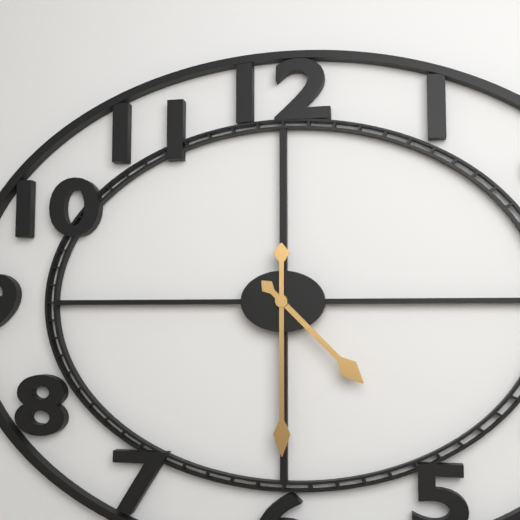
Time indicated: 4:30
